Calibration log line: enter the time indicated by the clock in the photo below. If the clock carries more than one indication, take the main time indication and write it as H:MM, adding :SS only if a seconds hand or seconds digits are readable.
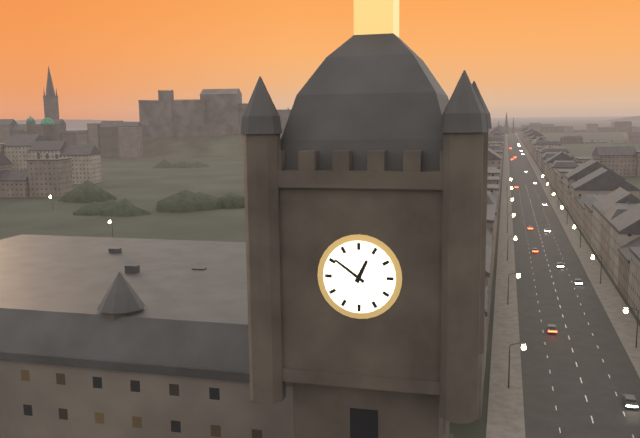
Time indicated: 12:51
